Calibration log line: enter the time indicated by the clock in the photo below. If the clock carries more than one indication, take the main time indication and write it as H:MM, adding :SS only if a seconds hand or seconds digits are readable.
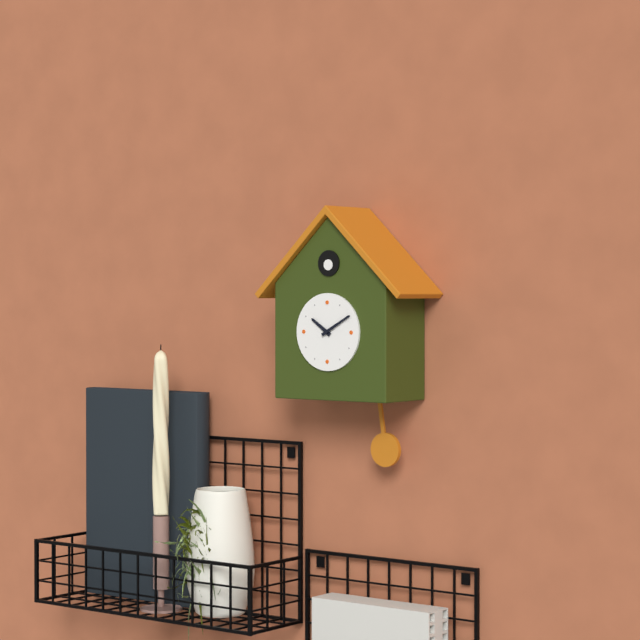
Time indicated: 10:10
